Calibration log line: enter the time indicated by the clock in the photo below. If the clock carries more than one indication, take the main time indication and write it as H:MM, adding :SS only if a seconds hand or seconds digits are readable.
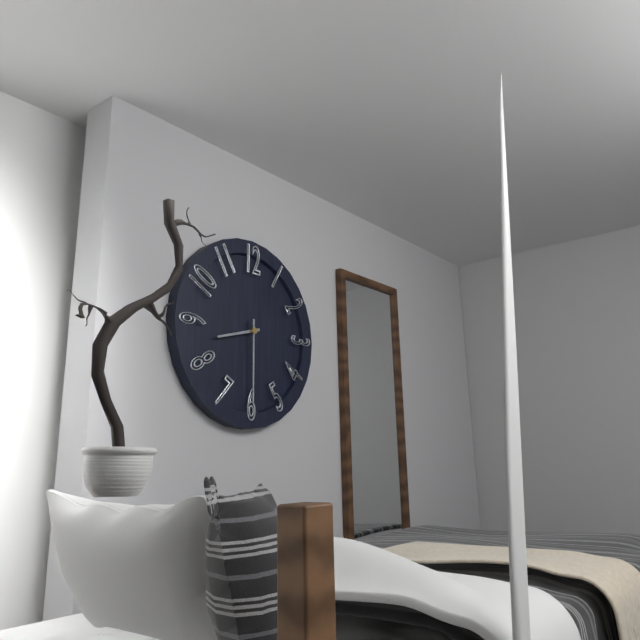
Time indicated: 8:30
